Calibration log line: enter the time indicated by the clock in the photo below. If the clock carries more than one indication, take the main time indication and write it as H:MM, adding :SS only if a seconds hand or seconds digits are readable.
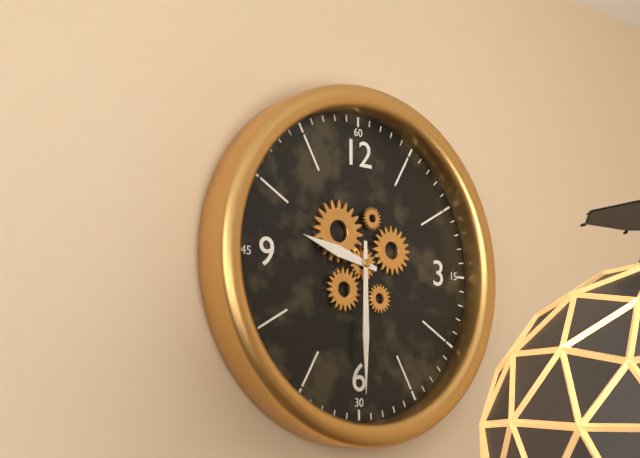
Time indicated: 9:30
